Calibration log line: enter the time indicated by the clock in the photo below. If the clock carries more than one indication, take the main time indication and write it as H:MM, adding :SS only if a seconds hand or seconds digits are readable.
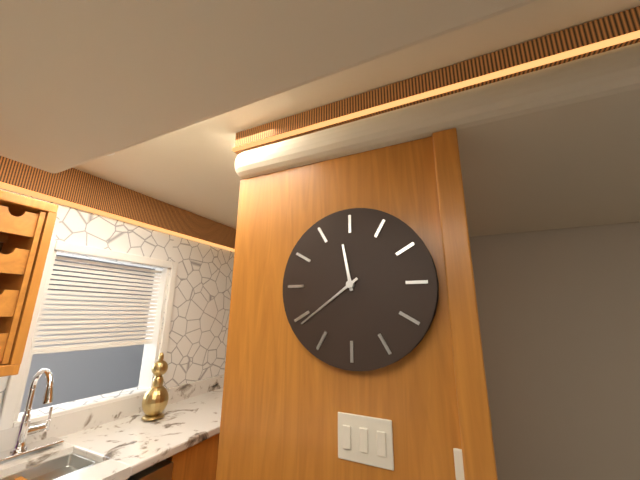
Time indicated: 11:39
